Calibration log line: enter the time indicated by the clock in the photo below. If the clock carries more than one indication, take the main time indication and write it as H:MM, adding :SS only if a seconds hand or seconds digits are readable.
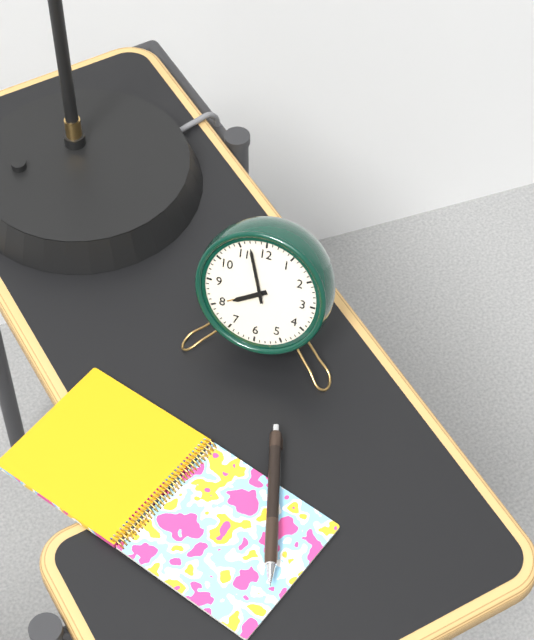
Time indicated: 7:57
